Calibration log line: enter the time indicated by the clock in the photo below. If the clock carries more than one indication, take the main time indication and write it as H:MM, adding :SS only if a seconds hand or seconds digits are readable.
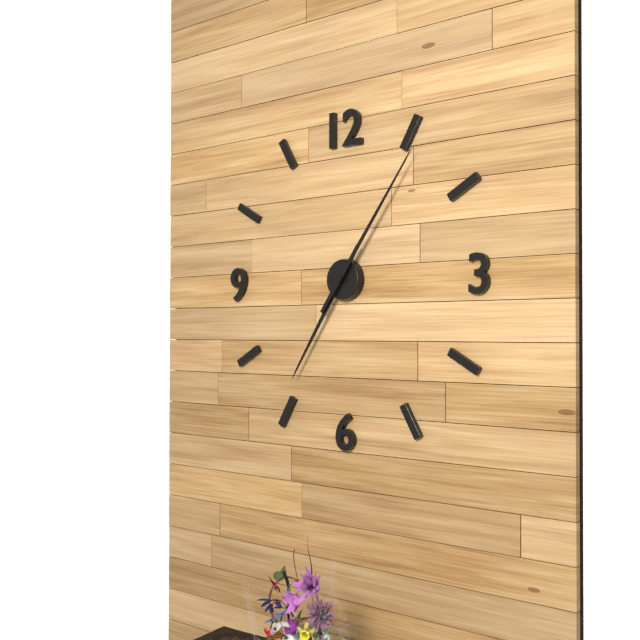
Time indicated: 7:06
